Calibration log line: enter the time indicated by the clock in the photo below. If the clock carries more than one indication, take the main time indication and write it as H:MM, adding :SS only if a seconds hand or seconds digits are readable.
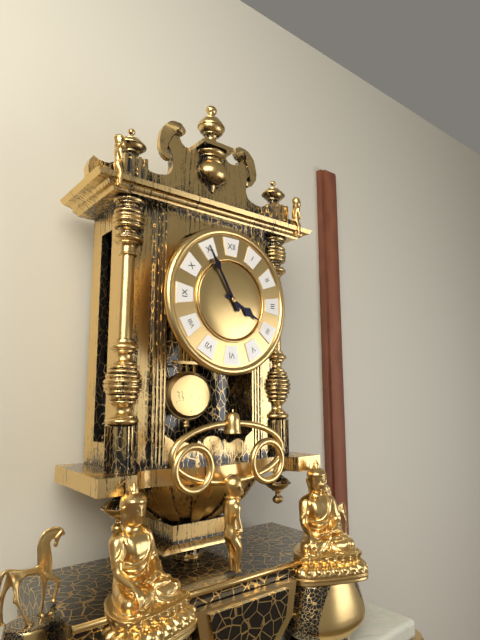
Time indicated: 3:55
